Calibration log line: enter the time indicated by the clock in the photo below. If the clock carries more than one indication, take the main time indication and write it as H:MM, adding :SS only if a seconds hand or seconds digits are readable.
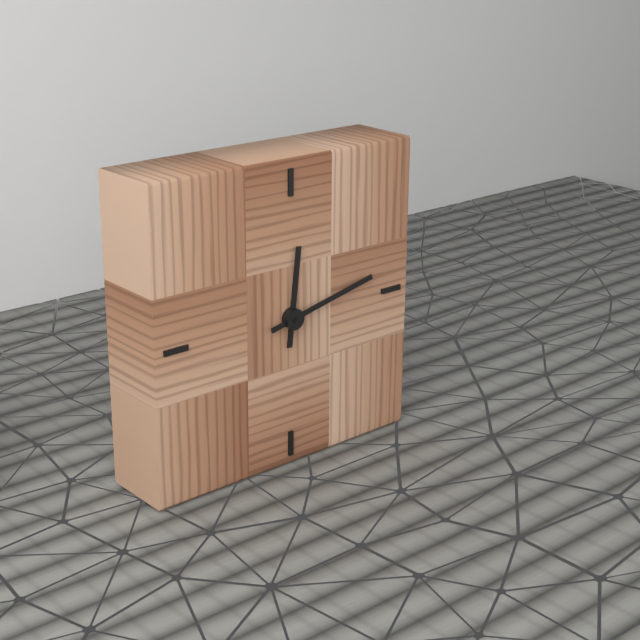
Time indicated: 12:13
